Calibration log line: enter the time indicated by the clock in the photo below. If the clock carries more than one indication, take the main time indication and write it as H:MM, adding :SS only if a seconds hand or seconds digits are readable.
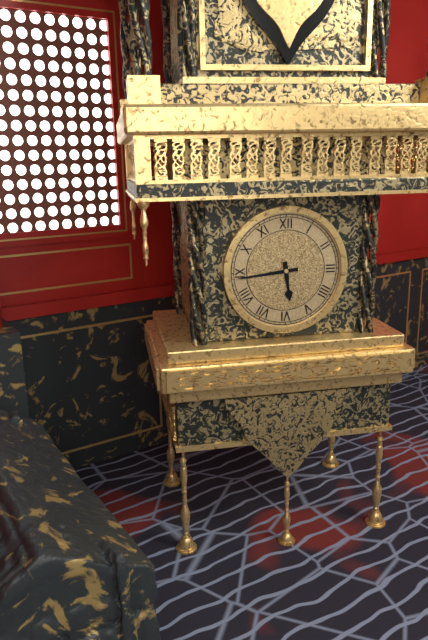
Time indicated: 5:44
